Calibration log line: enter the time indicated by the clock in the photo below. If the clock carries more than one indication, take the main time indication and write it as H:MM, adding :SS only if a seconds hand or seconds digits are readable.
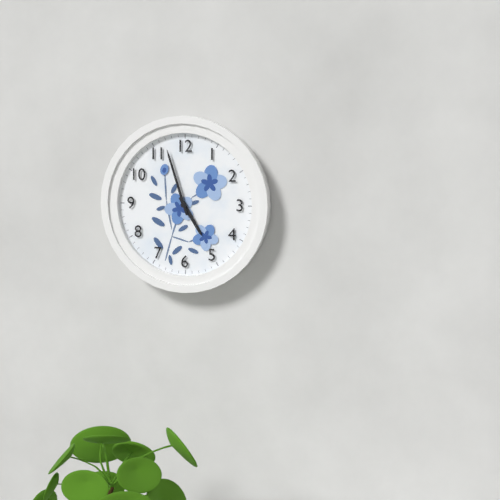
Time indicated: 4:57
